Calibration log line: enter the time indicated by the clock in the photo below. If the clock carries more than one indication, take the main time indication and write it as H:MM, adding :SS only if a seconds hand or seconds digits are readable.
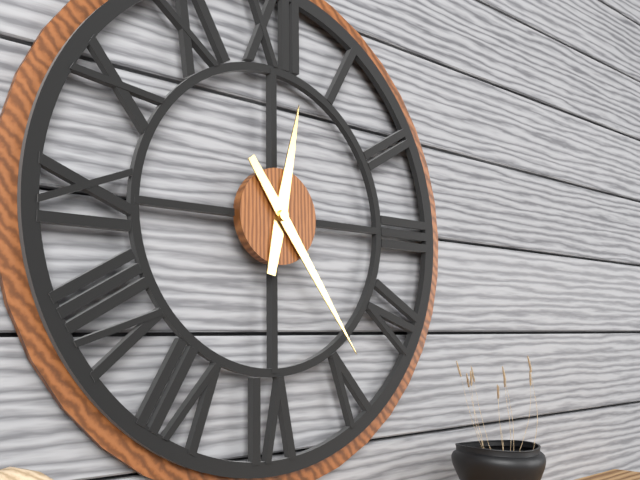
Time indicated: 12:24
